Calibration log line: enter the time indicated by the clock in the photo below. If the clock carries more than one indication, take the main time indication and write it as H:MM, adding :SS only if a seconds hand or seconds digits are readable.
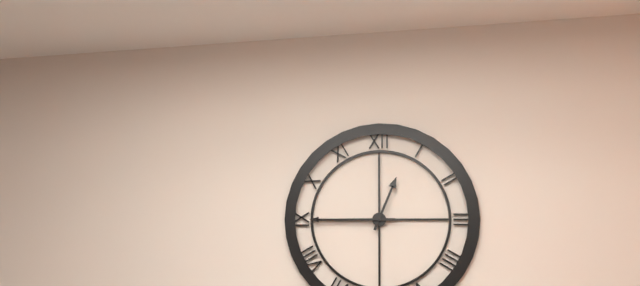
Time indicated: 12:45
